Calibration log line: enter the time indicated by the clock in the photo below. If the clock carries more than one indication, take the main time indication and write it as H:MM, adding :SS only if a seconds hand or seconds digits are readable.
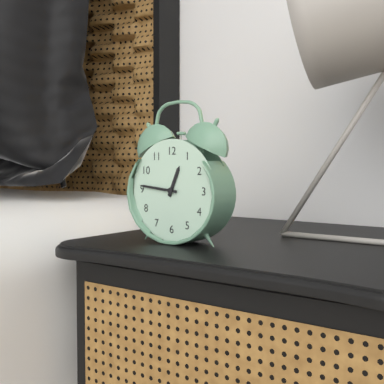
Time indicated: 12:46
